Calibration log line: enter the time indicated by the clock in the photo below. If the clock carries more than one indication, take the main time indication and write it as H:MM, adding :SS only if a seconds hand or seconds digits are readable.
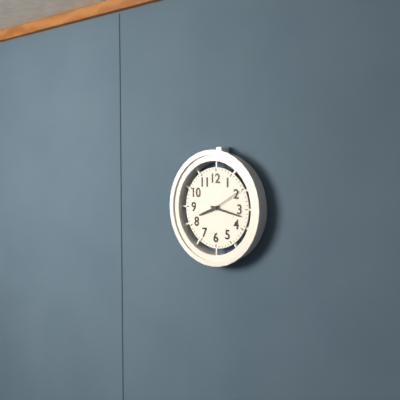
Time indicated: 8:17
